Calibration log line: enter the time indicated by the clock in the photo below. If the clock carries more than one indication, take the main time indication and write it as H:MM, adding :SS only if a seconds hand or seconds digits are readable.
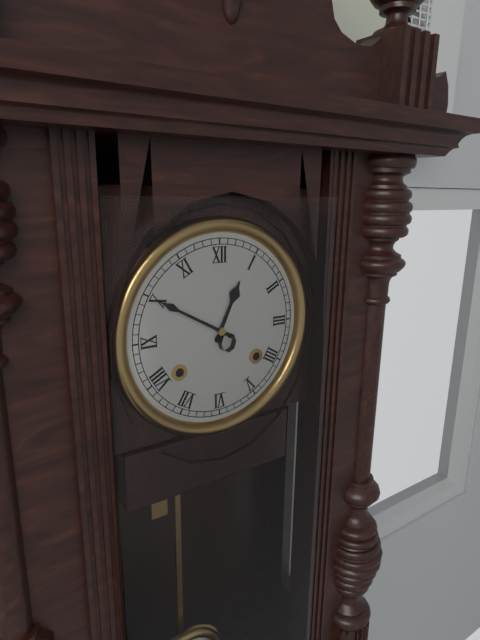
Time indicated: 12:50
